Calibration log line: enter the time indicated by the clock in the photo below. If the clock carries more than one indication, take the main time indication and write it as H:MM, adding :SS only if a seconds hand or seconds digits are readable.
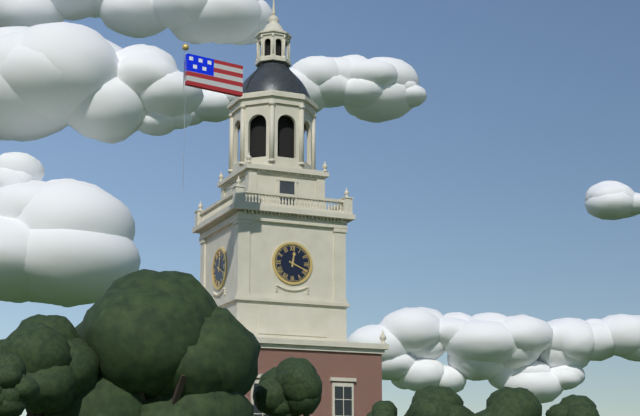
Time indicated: 12:19
